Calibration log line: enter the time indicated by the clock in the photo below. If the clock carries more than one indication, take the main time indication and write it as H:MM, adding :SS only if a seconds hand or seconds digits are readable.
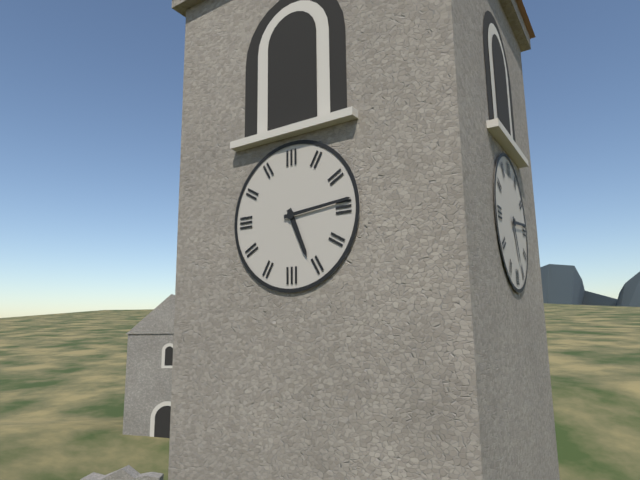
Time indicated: 5:14
